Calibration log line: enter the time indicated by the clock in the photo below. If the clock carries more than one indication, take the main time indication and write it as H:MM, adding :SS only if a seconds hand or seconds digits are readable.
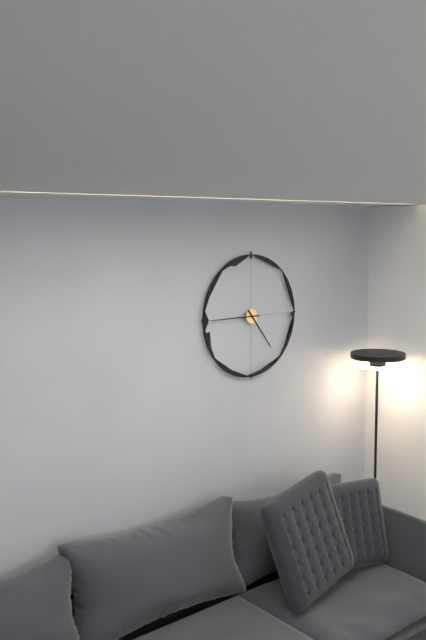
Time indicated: 4:45
